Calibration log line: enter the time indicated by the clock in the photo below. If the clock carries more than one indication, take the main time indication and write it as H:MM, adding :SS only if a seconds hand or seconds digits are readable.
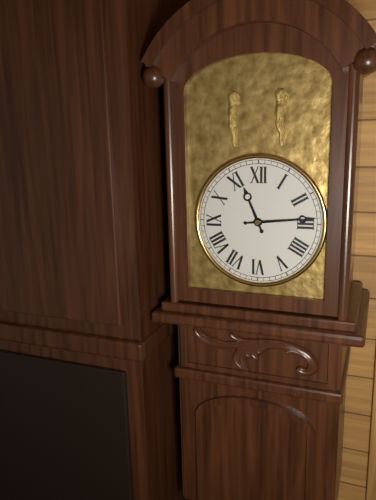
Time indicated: 11:14
